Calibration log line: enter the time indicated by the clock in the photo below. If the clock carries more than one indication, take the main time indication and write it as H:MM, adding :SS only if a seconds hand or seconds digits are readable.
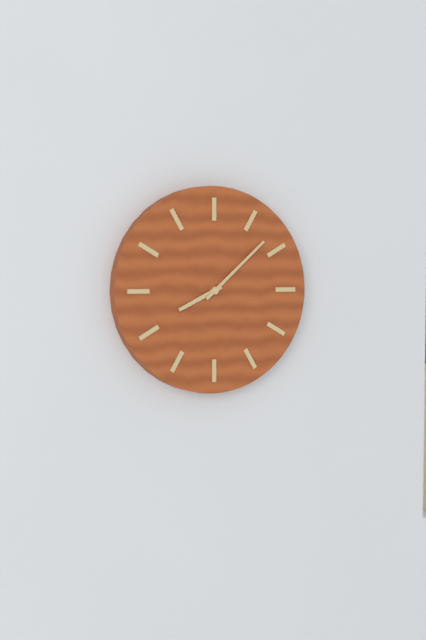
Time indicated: 8:08
